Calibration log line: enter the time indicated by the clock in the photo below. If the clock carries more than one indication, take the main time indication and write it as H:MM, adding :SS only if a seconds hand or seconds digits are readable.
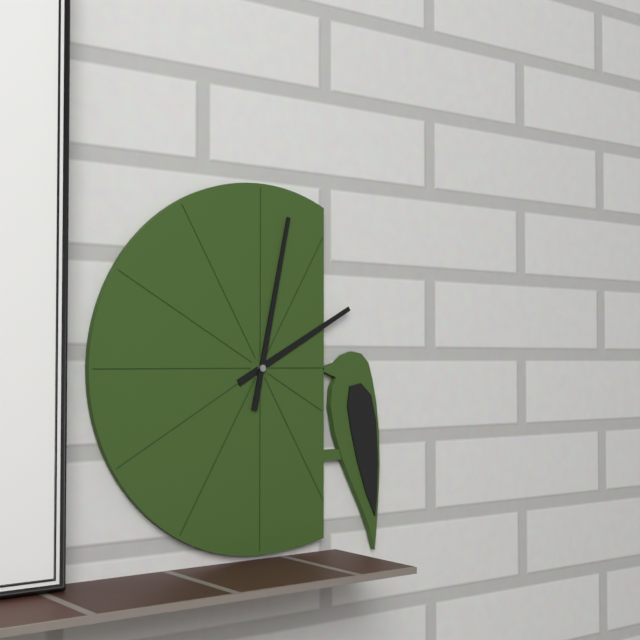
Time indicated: 2:02
